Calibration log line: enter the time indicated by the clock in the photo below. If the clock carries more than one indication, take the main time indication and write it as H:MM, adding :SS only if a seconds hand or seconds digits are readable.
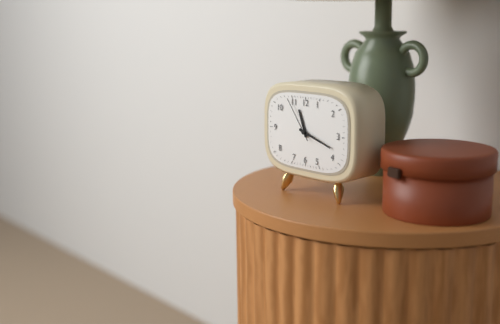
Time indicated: 11:18
